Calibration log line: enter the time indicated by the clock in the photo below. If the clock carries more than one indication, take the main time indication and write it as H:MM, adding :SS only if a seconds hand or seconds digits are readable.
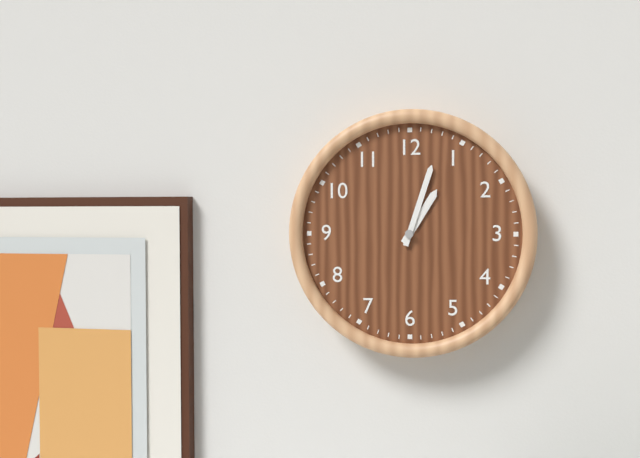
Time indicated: 1:03
